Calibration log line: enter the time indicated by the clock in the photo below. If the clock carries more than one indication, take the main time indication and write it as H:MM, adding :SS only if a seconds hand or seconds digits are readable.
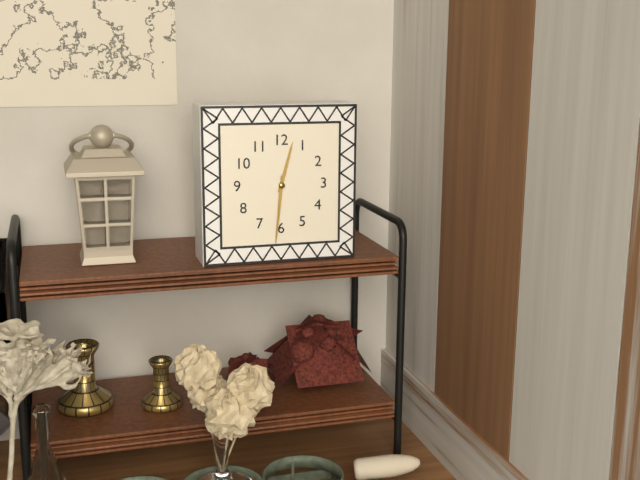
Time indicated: 12:31
